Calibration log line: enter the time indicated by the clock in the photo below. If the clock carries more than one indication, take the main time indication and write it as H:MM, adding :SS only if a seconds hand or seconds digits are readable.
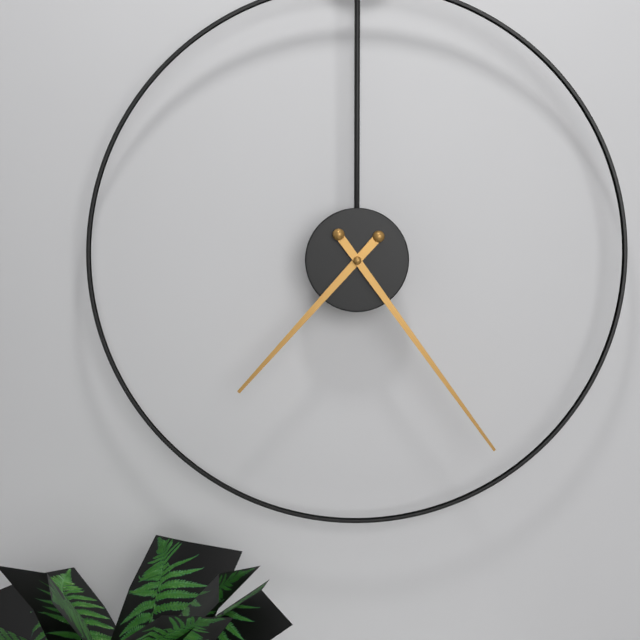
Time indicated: 7:24
